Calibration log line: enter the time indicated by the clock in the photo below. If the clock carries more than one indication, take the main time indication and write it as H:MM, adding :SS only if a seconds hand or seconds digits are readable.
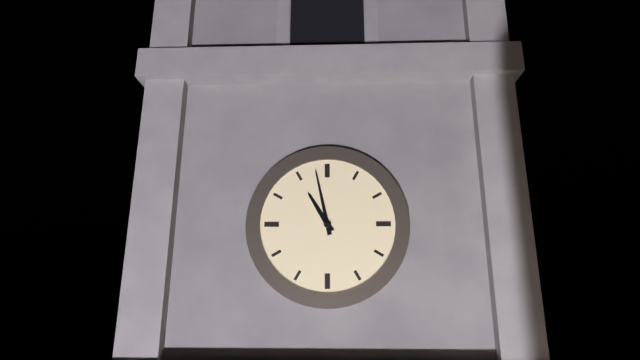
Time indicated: 10:58
